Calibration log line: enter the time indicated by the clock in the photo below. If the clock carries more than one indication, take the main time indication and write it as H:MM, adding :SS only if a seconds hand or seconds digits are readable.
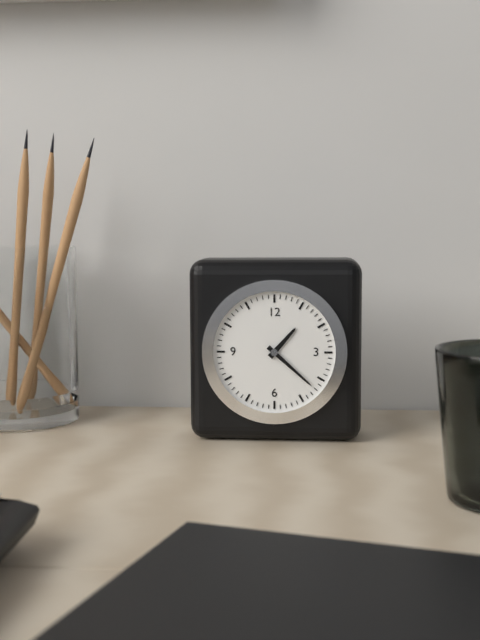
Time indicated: 1:22
